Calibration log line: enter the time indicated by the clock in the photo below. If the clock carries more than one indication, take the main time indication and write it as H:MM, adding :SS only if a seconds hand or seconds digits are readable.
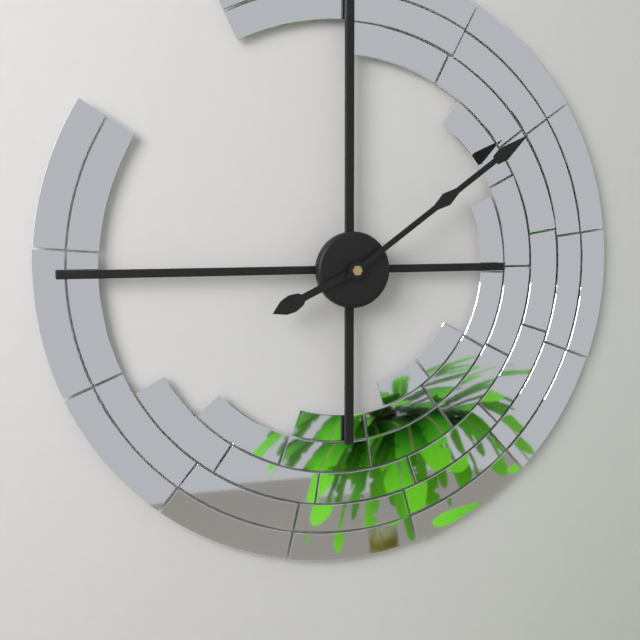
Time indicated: 8:09
